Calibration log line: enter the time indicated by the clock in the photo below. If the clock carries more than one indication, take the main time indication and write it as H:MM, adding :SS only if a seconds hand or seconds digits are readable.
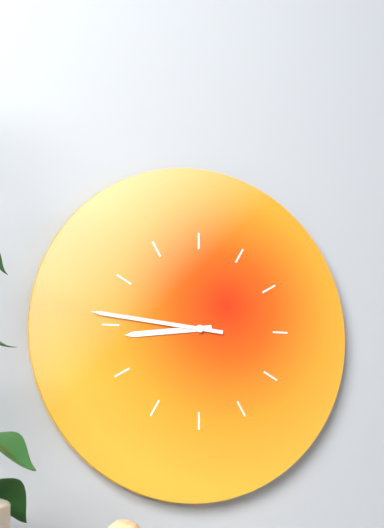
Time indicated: 8:46
